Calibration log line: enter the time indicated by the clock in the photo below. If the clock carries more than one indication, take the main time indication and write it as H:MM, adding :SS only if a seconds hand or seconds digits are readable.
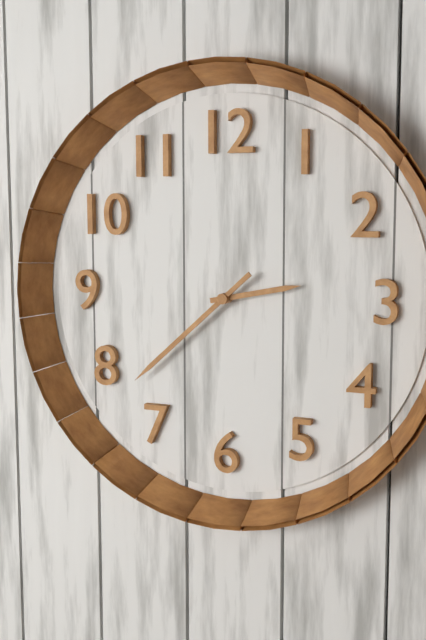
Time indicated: 2:38
